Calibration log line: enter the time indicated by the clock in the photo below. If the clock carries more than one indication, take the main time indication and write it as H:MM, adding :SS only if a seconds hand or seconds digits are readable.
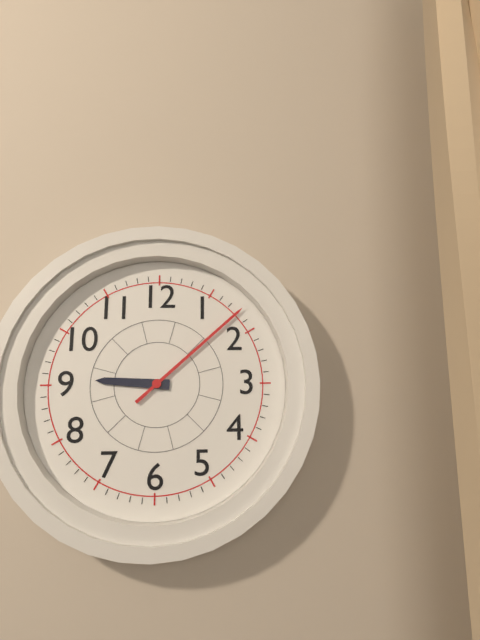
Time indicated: 9:08
